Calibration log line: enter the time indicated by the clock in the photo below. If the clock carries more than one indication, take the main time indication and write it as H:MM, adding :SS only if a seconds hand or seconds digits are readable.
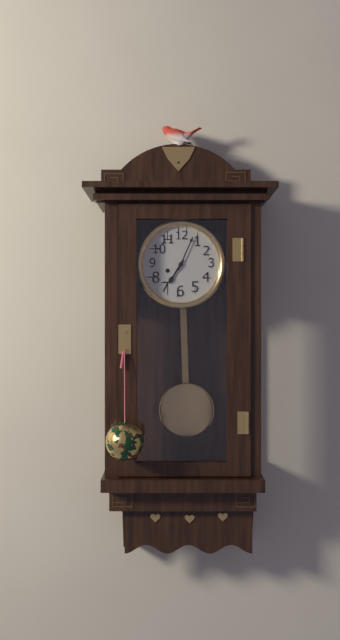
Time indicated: 7:04
